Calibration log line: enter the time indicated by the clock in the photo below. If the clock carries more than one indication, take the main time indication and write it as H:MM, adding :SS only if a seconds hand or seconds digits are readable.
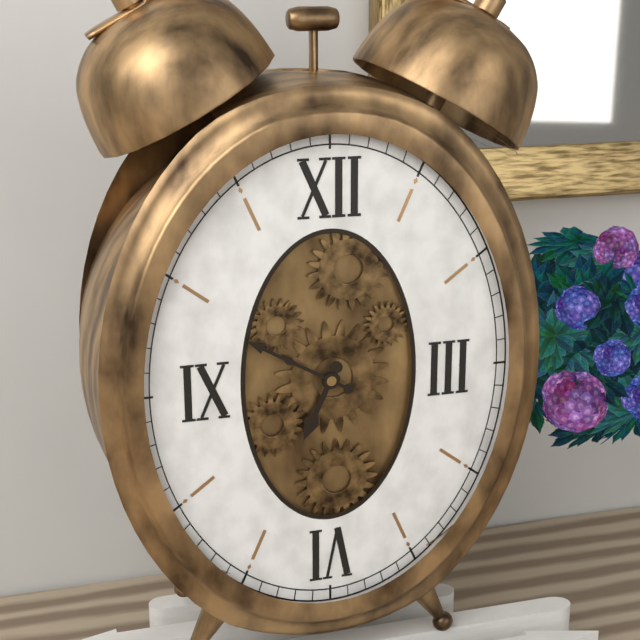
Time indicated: 6:50
